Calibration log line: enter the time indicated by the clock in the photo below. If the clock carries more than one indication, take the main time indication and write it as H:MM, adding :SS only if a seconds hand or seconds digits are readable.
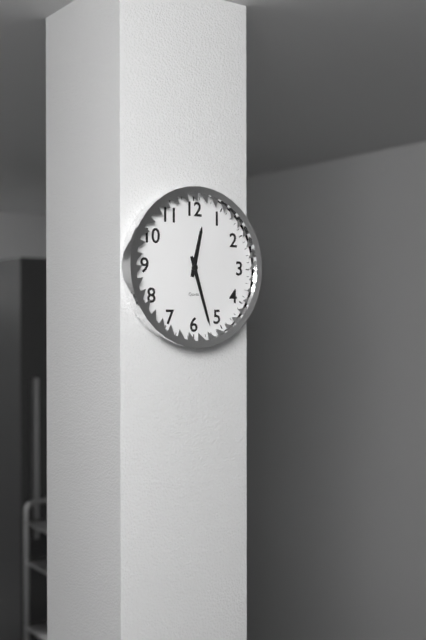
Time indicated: 12:27
